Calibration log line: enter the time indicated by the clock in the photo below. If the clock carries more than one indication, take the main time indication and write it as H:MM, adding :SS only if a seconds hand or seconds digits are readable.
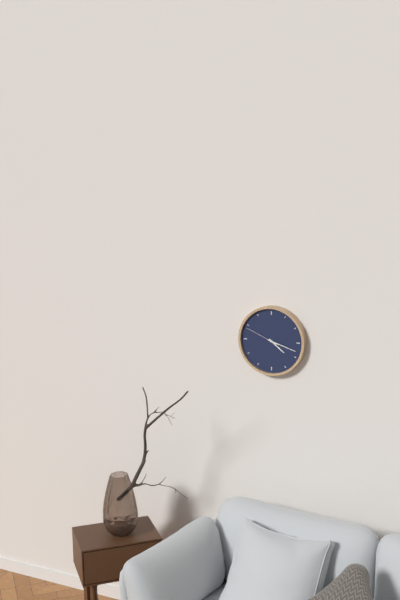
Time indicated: 4:18
